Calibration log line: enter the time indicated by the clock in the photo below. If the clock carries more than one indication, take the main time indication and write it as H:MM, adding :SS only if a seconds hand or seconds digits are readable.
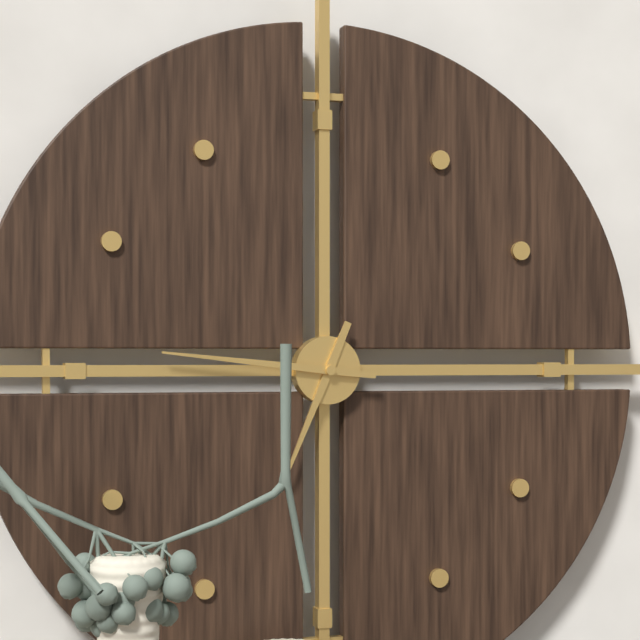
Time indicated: 6:46
